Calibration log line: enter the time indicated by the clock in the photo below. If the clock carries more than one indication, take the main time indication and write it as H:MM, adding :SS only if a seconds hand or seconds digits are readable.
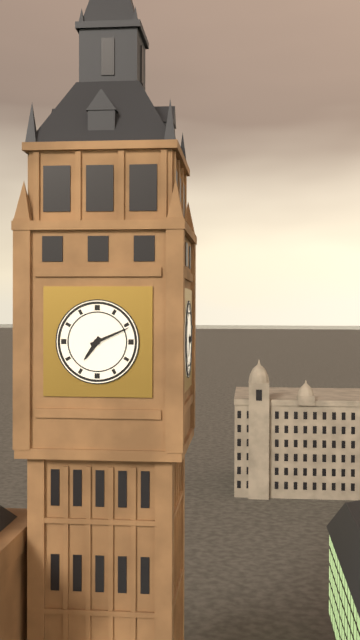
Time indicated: 7:11
